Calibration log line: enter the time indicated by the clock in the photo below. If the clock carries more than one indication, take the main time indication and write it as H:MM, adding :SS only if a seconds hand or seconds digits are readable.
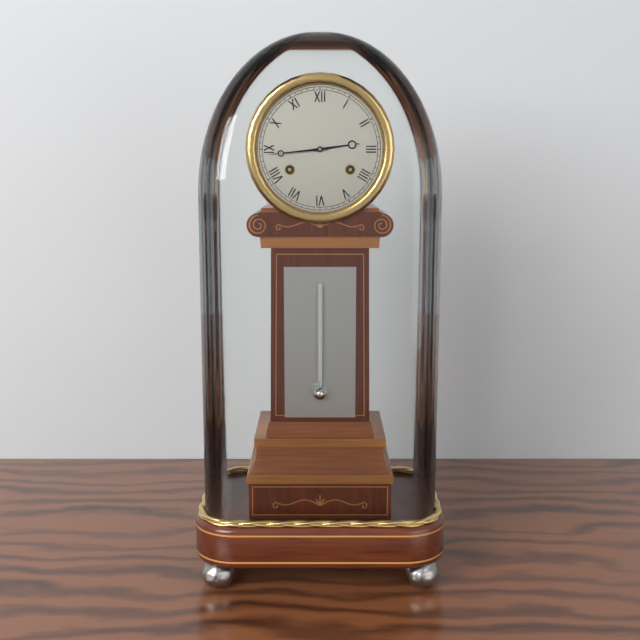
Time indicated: 2:44
